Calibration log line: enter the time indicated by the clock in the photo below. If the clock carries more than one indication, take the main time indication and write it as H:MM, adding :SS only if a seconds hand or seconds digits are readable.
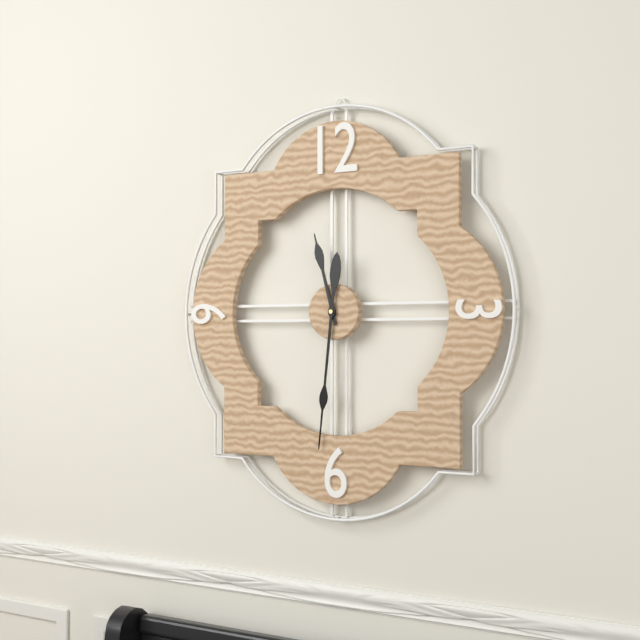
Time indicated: 11:31
